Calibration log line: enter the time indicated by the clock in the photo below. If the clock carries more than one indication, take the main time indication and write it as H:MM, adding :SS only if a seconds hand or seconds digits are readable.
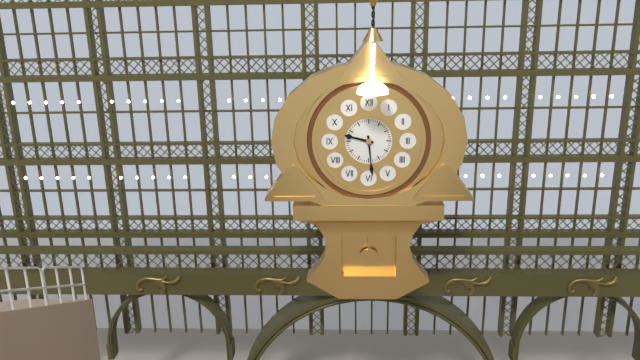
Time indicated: 9:29
